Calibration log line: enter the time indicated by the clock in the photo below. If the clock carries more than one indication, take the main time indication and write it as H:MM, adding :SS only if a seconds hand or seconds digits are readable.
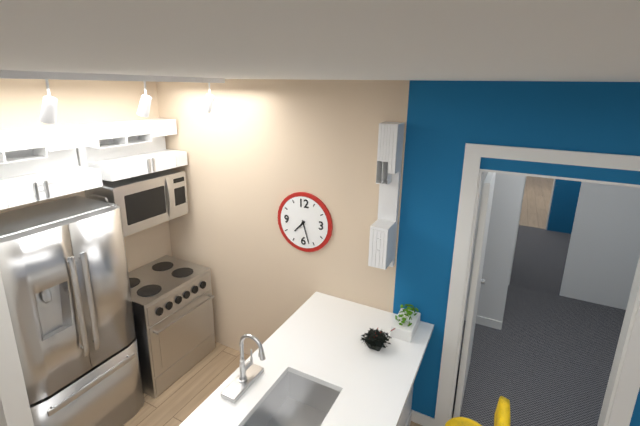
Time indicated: 7:27
